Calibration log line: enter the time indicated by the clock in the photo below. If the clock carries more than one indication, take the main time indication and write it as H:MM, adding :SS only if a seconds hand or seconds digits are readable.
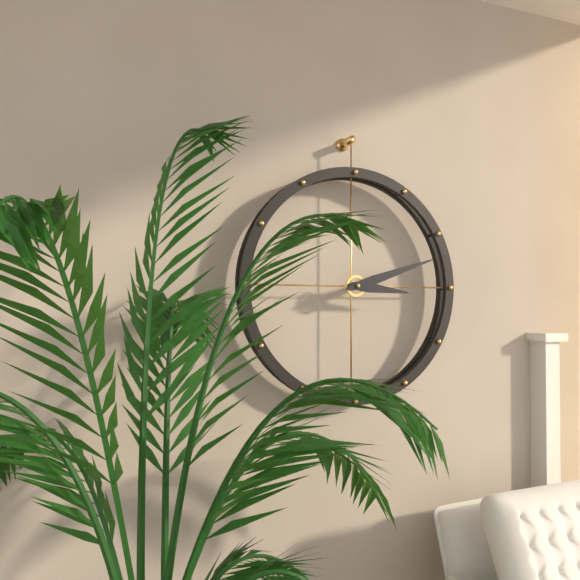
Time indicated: 3:12
